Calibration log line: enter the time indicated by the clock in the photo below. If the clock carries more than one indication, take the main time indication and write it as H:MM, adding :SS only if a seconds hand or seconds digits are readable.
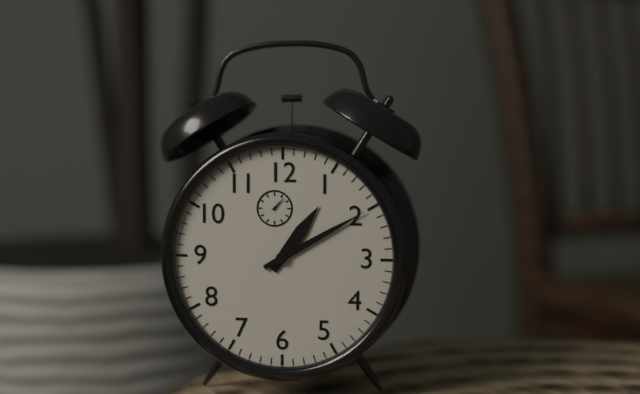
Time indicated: 1:10
